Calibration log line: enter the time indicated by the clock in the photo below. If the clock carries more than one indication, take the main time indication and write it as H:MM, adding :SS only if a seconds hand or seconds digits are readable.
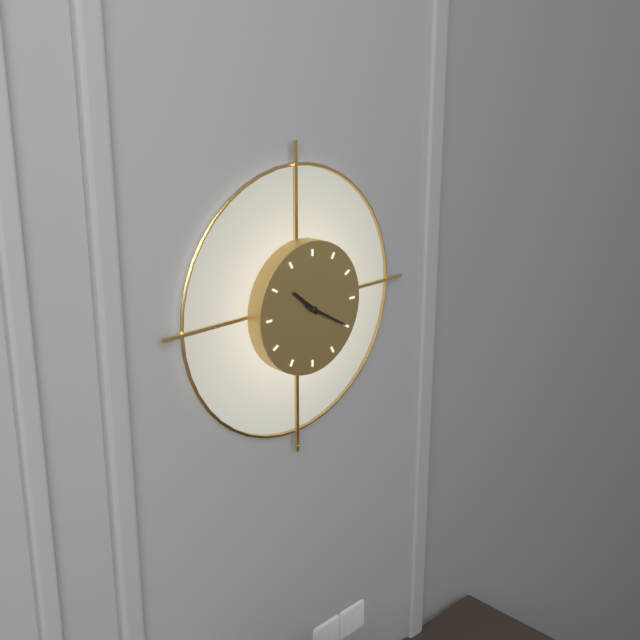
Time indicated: 10:20
